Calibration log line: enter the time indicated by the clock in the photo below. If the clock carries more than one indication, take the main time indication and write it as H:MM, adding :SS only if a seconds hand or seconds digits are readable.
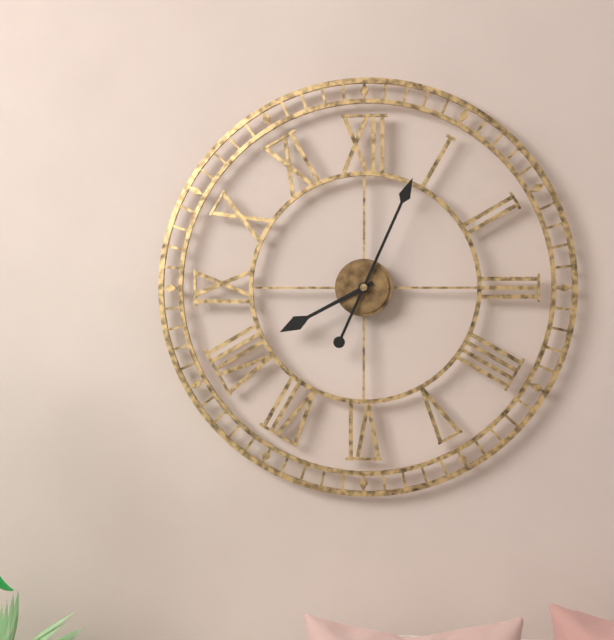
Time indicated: 8:04
